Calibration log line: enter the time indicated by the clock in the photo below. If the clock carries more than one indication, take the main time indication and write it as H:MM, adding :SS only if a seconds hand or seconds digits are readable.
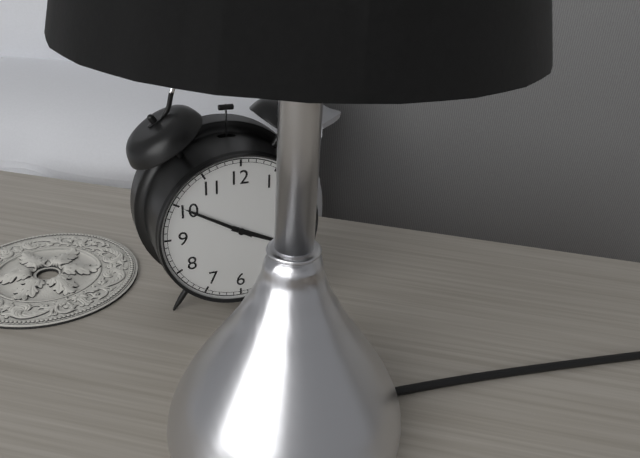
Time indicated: 3:50
